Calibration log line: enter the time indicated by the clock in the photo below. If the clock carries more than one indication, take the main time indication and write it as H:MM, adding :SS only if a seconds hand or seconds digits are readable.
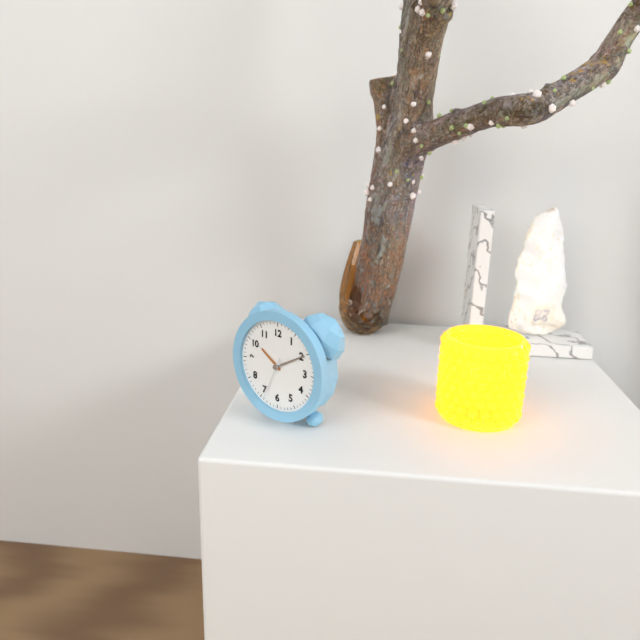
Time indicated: 10:10
